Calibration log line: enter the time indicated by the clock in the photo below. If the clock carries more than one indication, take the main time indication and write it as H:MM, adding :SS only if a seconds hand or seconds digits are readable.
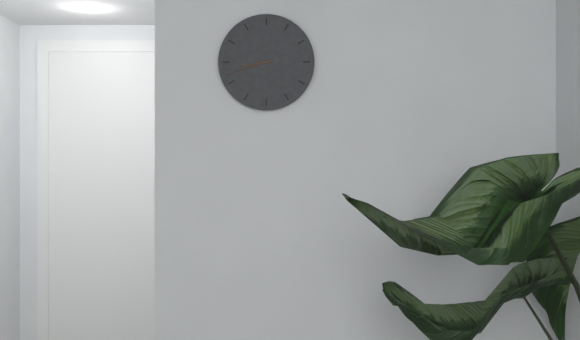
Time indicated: 8:42
